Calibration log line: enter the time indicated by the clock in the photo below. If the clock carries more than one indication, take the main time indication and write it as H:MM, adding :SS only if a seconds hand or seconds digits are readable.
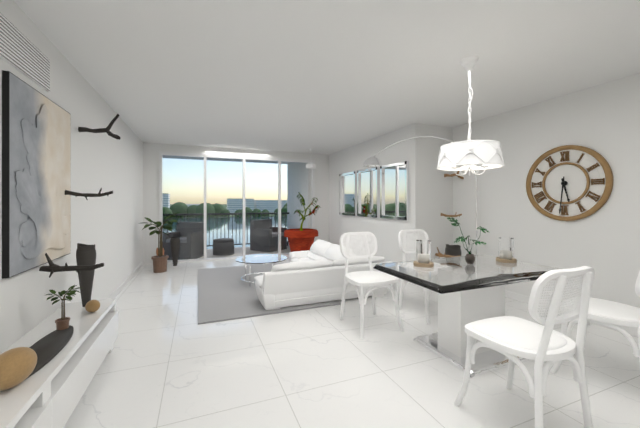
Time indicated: 5:31
